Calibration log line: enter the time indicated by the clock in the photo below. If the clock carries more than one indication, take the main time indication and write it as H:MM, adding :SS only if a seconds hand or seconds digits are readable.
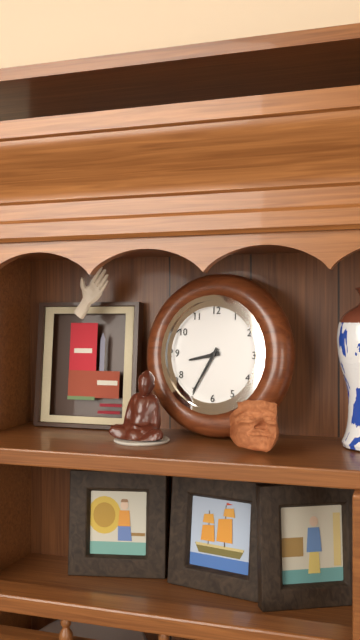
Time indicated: 8:35
